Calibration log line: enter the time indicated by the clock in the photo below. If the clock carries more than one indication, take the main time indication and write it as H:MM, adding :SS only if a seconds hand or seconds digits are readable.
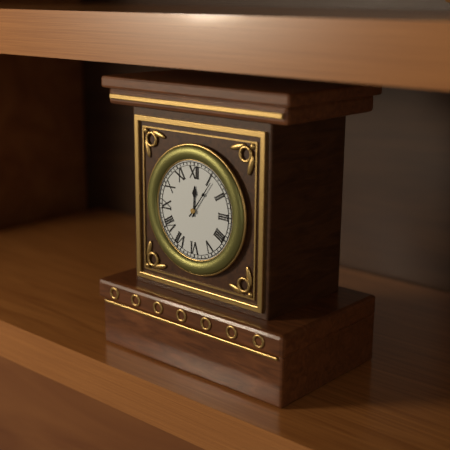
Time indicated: 12:06
